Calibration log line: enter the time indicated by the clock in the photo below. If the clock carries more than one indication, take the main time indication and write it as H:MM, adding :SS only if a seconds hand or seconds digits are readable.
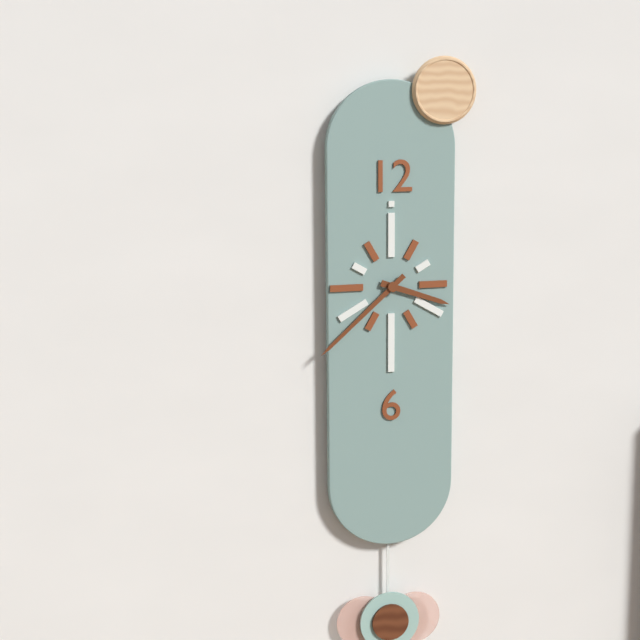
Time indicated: 3:38
